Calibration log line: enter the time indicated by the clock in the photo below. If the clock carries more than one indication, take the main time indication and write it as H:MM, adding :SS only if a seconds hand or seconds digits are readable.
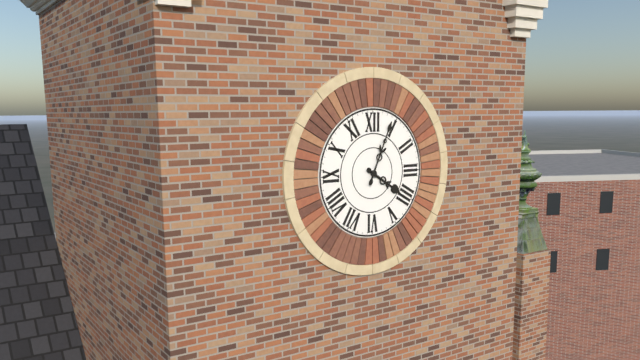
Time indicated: 4:04
